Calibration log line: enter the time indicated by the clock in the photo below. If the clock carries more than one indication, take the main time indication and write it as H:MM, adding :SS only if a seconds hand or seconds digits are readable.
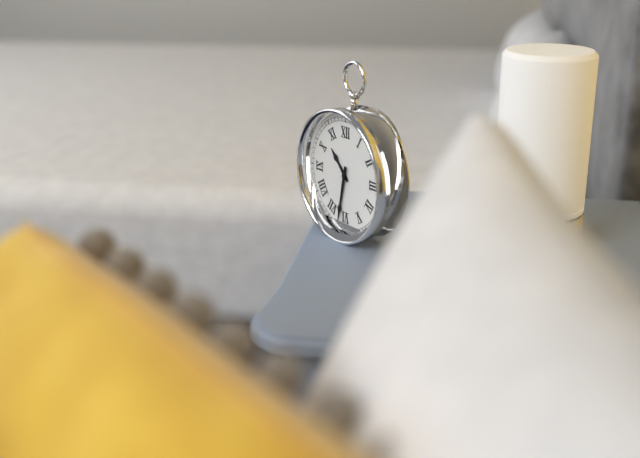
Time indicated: 10:32
